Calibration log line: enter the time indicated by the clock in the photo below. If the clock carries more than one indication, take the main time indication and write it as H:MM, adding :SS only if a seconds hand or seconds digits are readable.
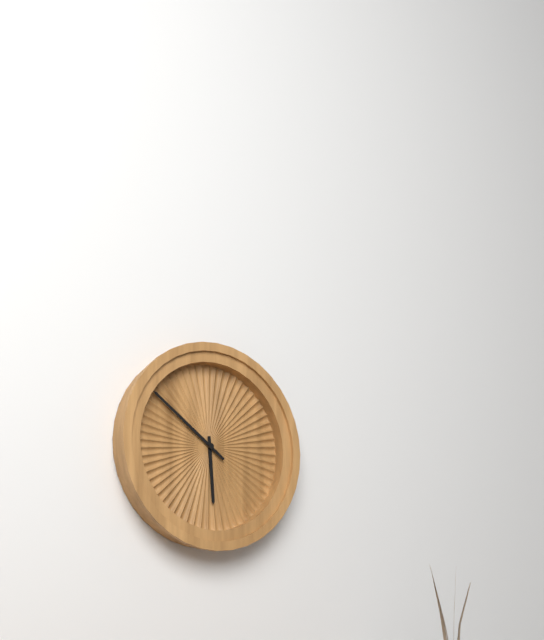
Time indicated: 5:51
